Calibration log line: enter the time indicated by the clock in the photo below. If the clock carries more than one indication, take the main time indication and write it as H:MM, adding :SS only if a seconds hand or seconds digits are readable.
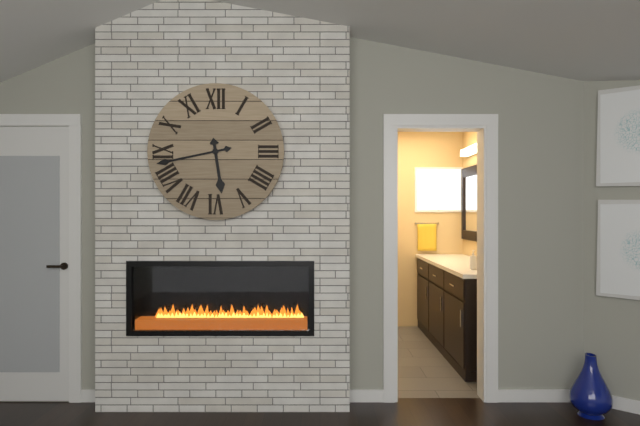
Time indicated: 5:43
